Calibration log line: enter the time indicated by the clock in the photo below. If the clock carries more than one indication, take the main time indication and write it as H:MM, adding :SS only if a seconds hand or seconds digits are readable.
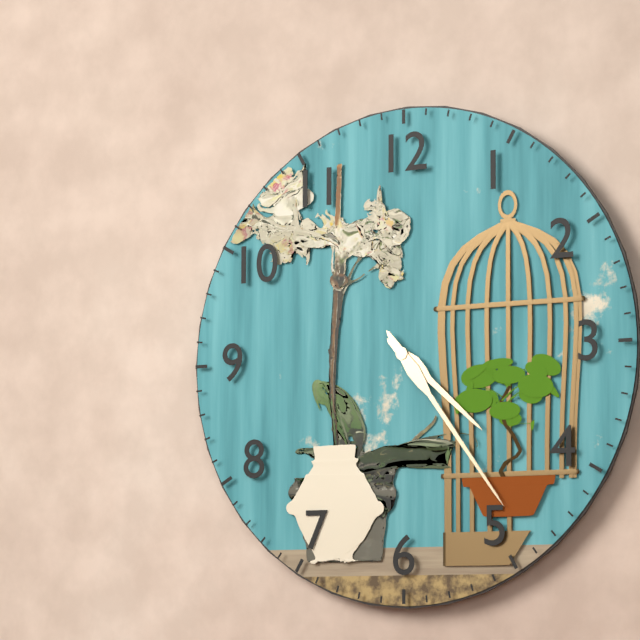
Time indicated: 4:24
